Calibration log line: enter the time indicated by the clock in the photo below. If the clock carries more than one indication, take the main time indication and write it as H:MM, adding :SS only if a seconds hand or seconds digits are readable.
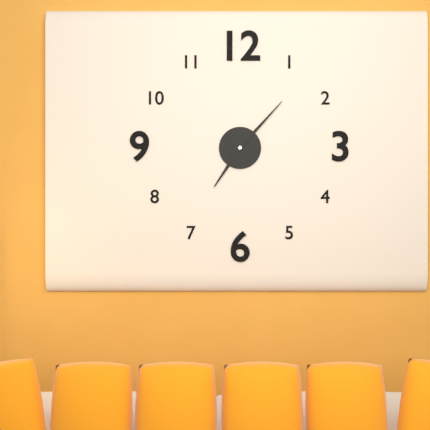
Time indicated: 7:07
